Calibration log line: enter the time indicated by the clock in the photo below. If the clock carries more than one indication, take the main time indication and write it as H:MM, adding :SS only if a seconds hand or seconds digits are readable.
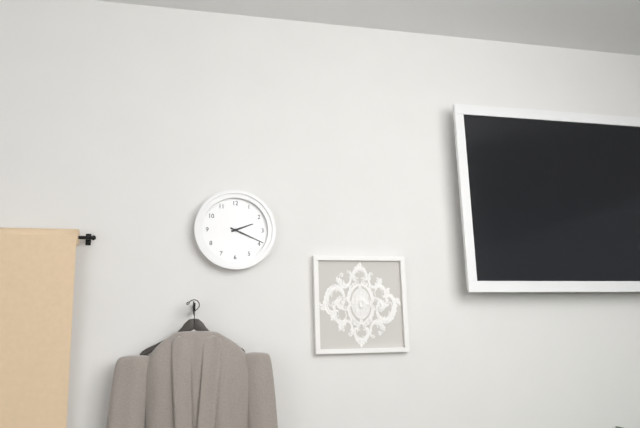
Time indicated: 2:19
